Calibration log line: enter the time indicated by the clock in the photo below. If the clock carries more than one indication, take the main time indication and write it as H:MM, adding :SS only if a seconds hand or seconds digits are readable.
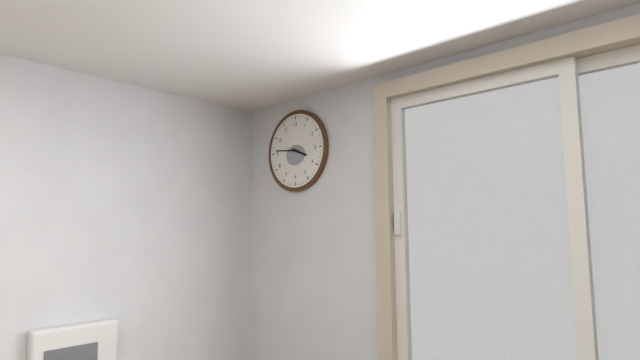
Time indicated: 3:46
